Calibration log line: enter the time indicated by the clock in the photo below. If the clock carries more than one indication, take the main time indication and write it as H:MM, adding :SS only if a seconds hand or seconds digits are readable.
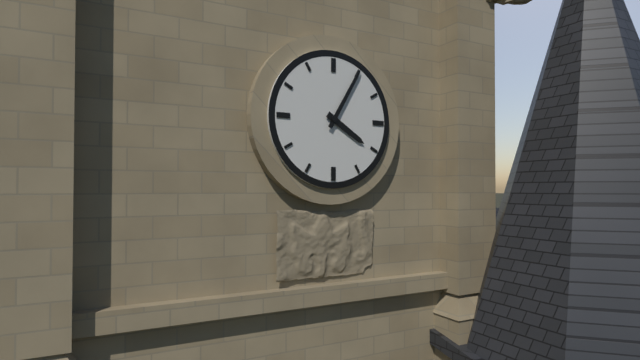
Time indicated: 4:05
